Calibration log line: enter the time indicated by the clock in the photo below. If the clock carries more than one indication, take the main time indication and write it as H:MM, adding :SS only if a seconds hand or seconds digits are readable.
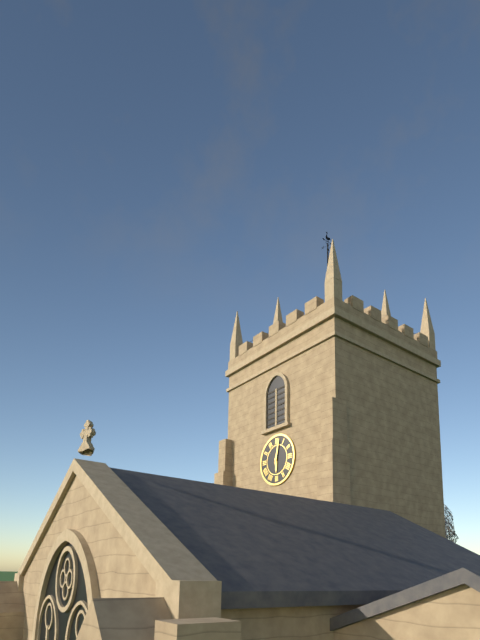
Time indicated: 6:02
